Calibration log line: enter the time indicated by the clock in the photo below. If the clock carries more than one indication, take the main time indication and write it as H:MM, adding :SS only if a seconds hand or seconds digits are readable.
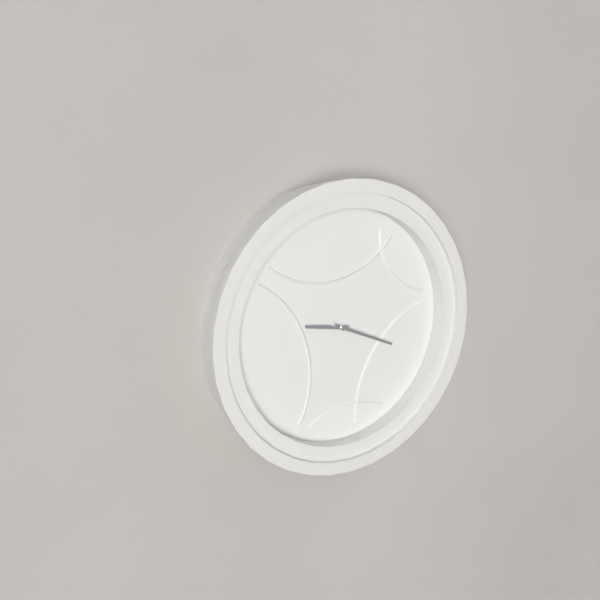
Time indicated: 9:19
